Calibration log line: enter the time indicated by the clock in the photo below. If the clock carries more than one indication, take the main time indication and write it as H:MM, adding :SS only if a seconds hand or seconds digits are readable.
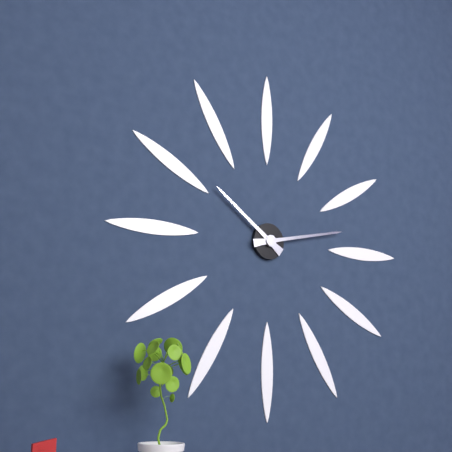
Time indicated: 10:13
